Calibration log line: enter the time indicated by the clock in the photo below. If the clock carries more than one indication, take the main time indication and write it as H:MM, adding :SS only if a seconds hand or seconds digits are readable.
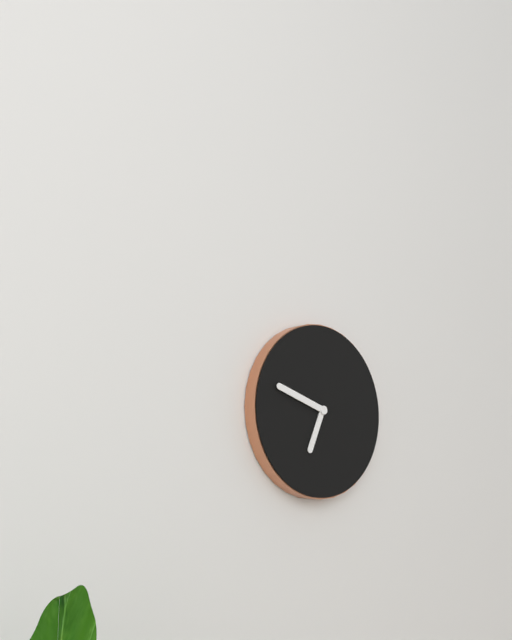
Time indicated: 6:48
